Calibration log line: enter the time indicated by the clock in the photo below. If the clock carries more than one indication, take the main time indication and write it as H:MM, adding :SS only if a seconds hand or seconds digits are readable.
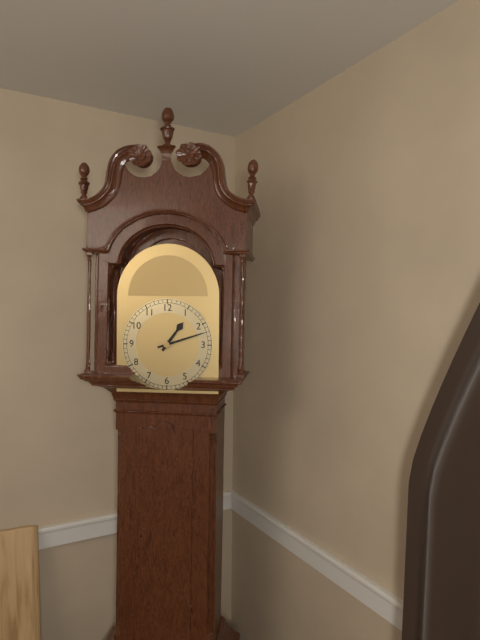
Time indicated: 1:12
